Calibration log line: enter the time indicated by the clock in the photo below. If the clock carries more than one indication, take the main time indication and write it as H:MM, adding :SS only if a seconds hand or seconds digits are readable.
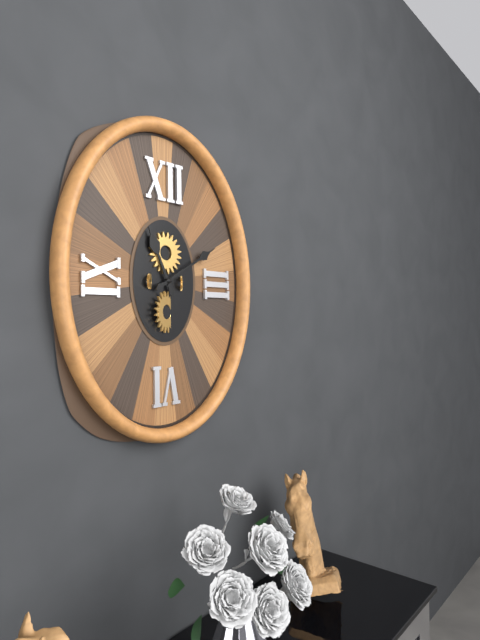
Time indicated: 11:10
